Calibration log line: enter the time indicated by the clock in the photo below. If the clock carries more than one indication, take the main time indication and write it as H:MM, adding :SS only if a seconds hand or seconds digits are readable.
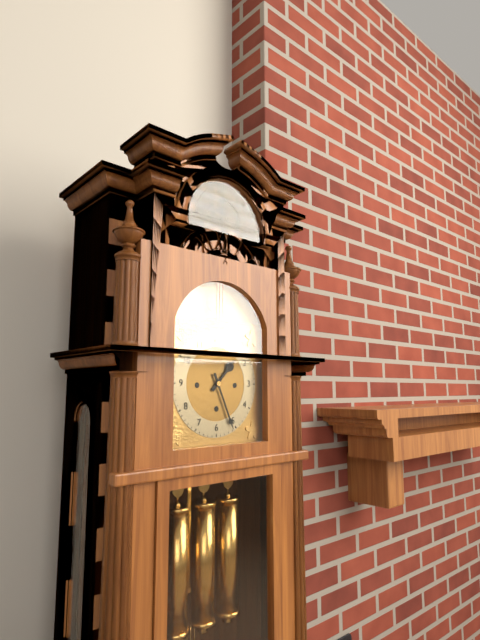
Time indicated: 1:26
